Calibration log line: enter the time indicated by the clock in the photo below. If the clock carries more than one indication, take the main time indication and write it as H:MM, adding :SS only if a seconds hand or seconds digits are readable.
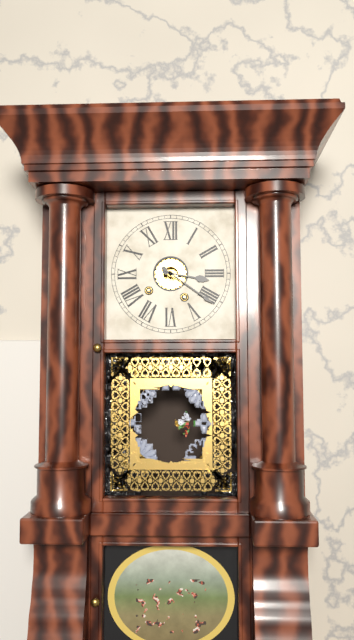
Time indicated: 3:21
